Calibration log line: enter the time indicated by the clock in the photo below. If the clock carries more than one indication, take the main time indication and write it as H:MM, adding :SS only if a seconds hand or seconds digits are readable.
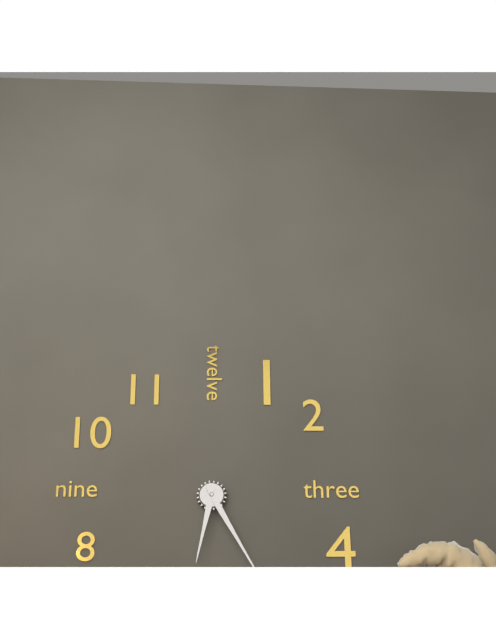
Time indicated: 6:25
